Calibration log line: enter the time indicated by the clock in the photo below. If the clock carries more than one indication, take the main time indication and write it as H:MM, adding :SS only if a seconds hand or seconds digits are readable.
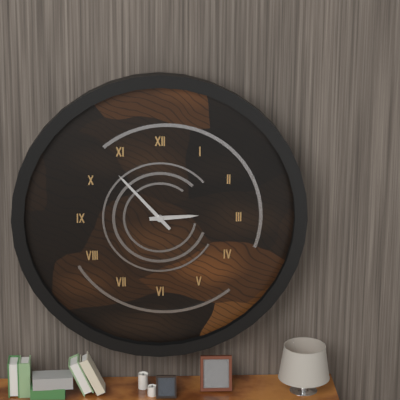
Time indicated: 2:53
